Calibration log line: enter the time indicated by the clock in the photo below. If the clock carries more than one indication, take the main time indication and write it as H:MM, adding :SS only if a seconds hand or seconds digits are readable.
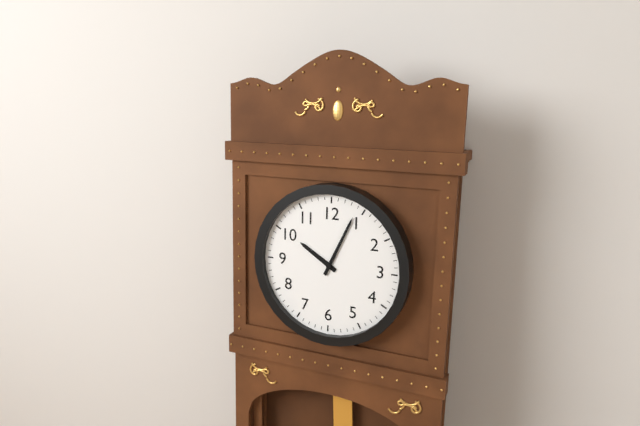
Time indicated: 10:04
